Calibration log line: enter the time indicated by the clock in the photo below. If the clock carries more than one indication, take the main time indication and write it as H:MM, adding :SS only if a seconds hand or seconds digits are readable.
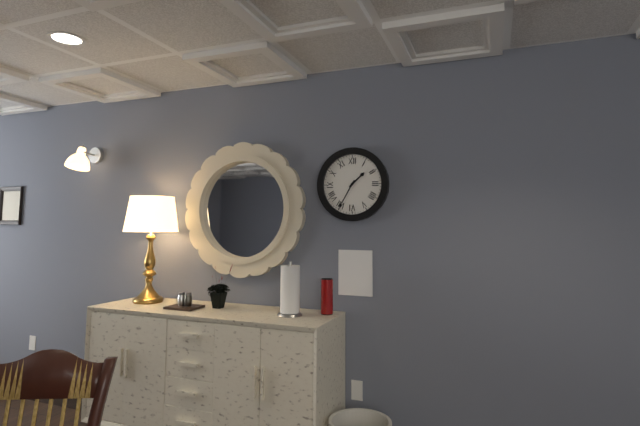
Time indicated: 1:35
